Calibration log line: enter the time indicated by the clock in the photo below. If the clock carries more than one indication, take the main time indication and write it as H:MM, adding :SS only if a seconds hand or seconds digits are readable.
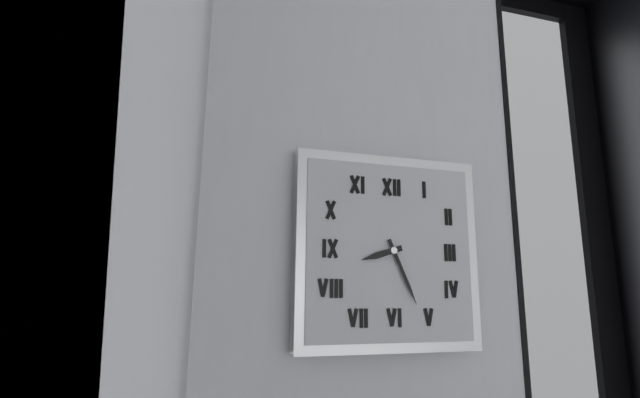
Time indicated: 8:26
